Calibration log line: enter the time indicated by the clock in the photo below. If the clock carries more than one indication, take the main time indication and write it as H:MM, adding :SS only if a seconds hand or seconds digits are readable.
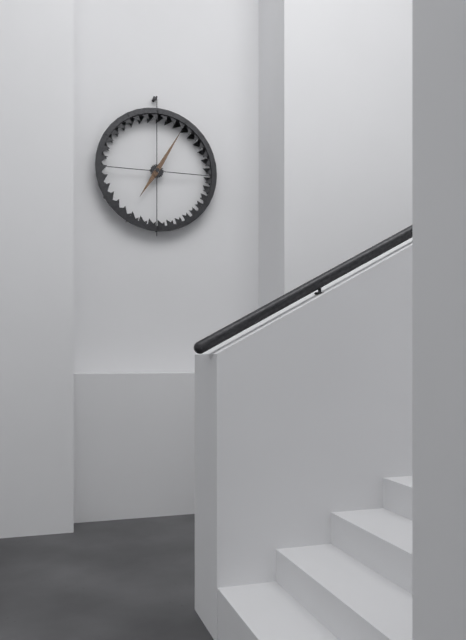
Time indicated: 7:05
